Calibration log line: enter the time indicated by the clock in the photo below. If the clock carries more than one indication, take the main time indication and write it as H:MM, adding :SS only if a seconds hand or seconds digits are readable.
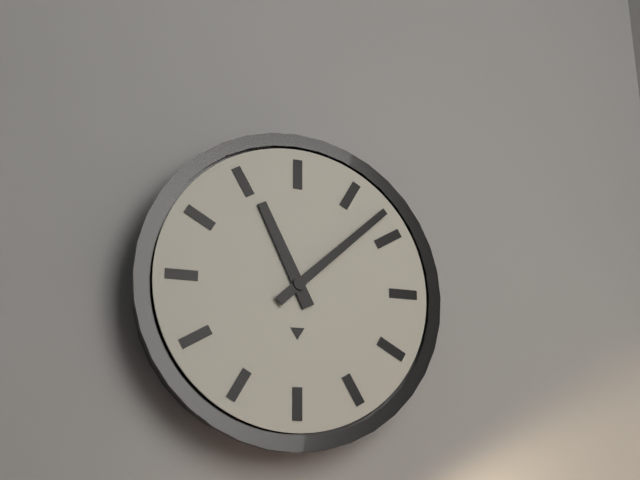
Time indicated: 11:08
